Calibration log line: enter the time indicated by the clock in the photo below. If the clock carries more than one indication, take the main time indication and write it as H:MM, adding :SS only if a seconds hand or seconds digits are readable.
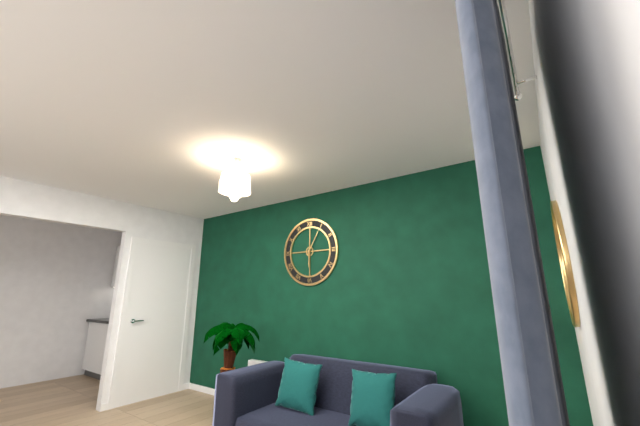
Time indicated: 6:05
